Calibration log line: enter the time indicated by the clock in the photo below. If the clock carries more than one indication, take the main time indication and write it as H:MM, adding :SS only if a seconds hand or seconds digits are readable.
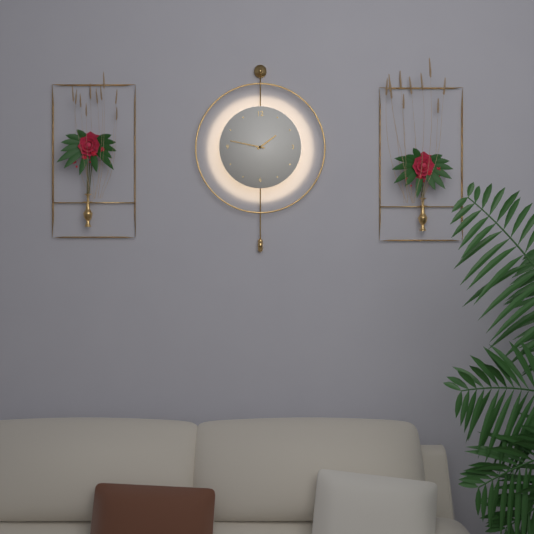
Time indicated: 1:47
